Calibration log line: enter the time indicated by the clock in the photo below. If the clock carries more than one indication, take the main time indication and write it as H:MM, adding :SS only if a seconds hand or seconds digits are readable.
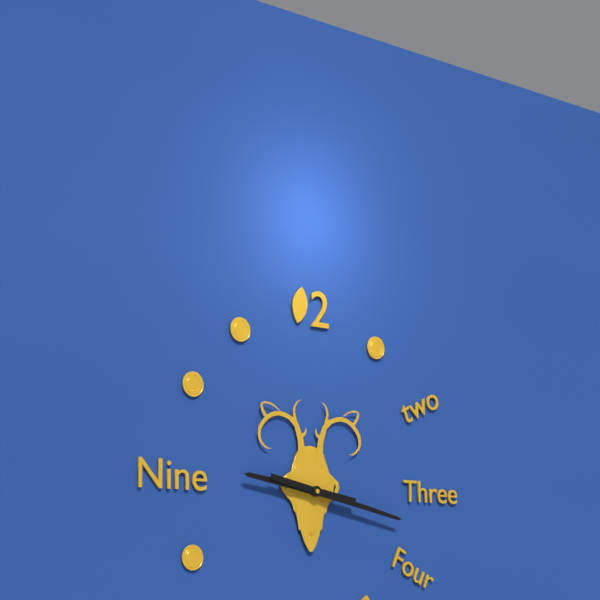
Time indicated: 9:17
